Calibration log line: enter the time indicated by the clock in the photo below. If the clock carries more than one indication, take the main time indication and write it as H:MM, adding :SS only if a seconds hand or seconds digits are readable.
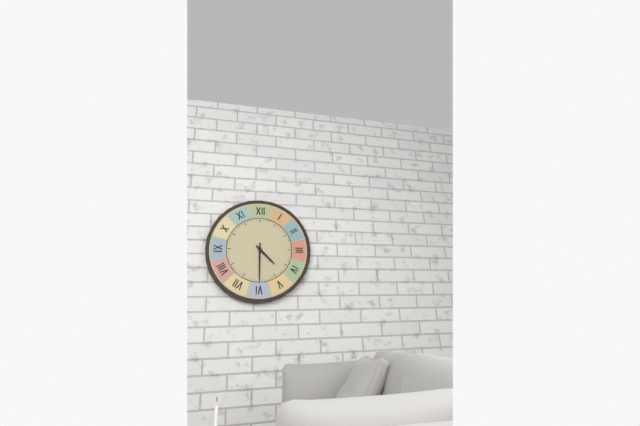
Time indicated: 4:30
